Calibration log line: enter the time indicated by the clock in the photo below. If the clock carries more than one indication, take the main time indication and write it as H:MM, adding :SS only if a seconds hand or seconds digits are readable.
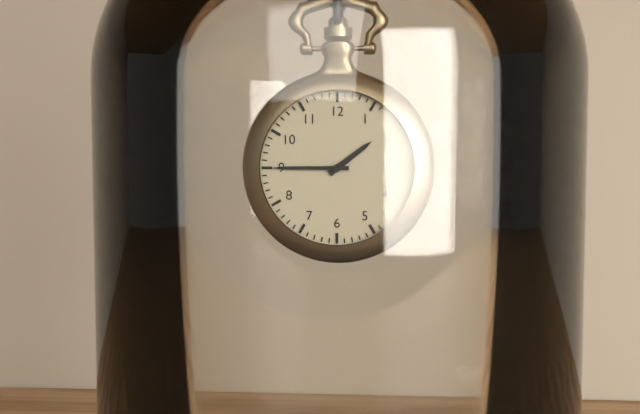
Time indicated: 1:45
